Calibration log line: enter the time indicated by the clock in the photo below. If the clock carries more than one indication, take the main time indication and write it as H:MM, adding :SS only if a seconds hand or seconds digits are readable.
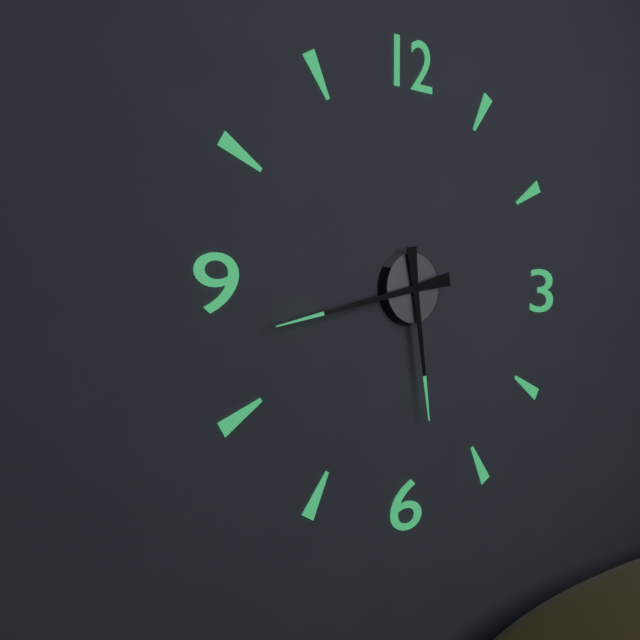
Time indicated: 5:43
